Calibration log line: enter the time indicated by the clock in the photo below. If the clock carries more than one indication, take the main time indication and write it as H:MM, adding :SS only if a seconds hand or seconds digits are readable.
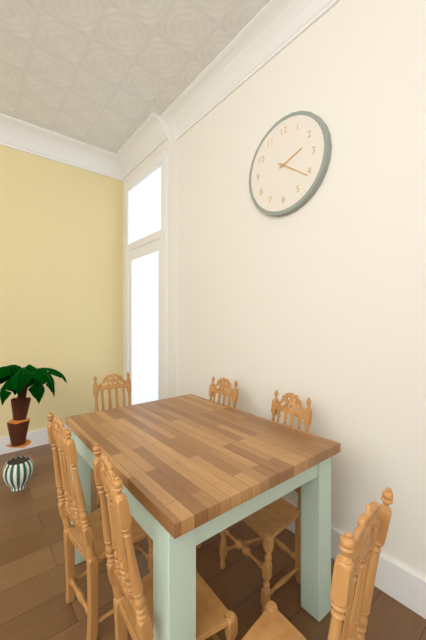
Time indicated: 2:21
